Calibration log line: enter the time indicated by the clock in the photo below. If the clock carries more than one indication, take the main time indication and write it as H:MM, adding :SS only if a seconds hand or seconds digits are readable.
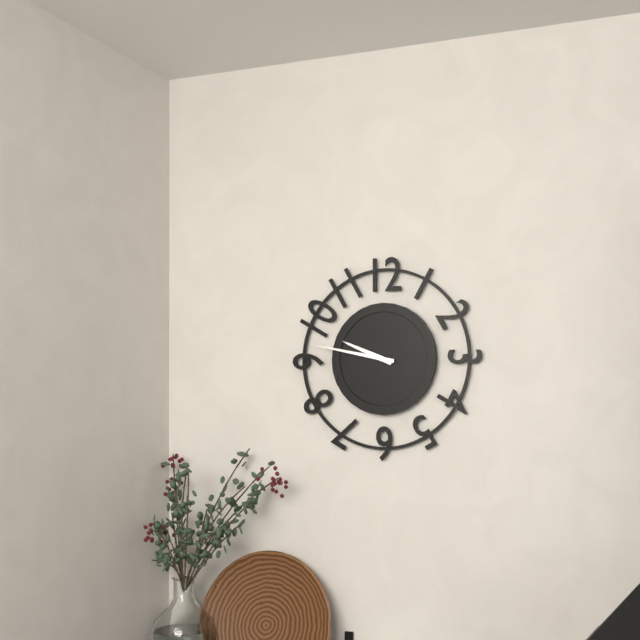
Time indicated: 9:47
